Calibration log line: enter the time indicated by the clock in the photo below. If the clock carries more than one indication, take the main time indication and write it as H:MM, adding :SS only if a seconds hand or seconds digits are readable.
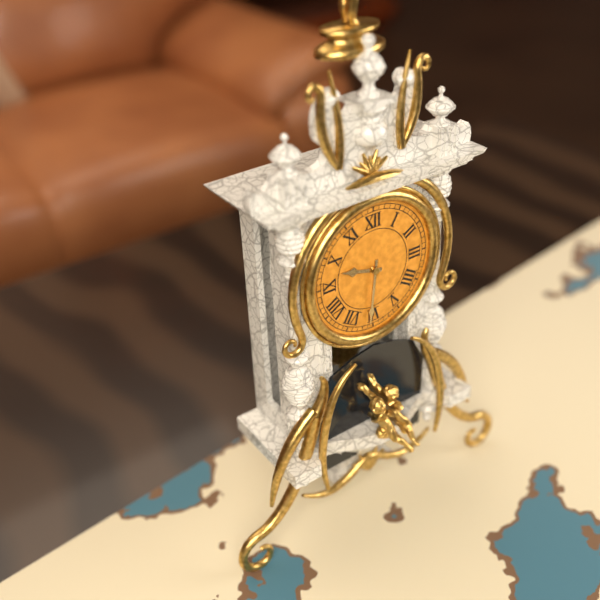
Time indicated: 9:31
